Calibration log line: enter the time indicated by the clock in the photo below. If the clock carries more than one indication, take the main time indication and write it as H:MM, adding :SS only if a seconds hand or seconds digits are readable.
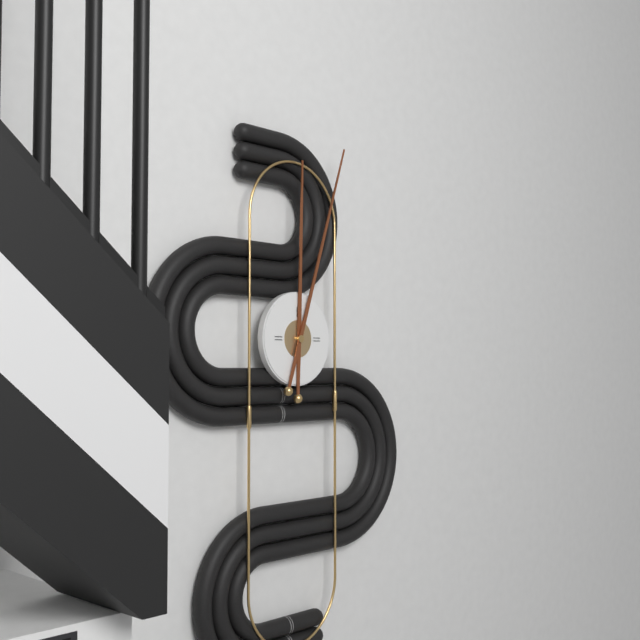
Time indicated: 12:03
